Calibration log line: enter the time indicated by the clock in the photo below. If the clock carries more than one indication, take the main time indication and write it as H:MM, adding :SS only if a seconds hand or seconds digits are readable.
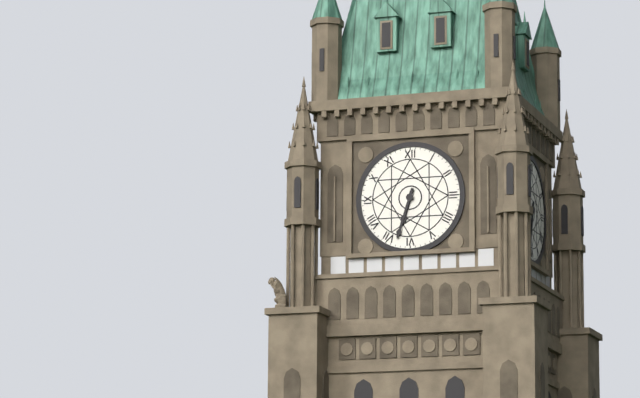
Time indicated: 6:33
